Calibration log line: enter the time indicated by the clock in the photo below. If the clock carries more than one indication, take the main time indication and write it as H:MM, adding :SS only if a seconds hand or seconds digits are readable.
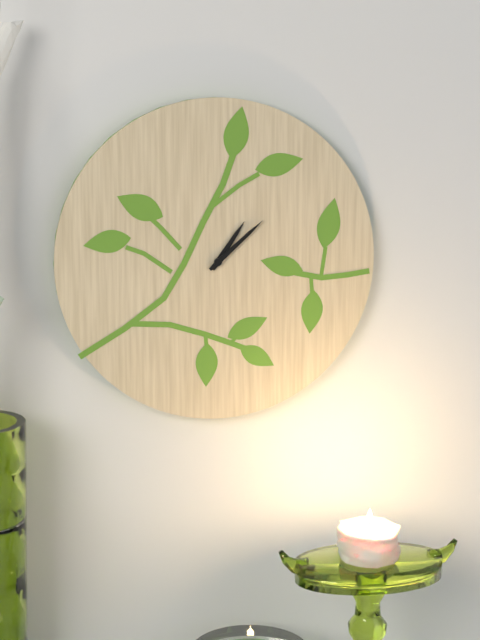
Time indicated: 1:08
